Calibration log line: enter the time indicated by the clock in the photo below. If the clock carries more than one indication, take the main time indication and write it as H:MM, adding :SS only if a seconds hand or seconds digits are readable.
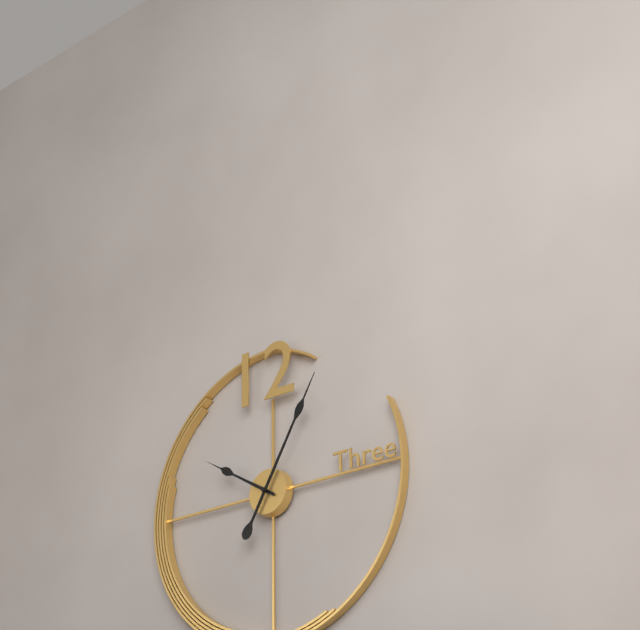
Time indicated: 10:05
